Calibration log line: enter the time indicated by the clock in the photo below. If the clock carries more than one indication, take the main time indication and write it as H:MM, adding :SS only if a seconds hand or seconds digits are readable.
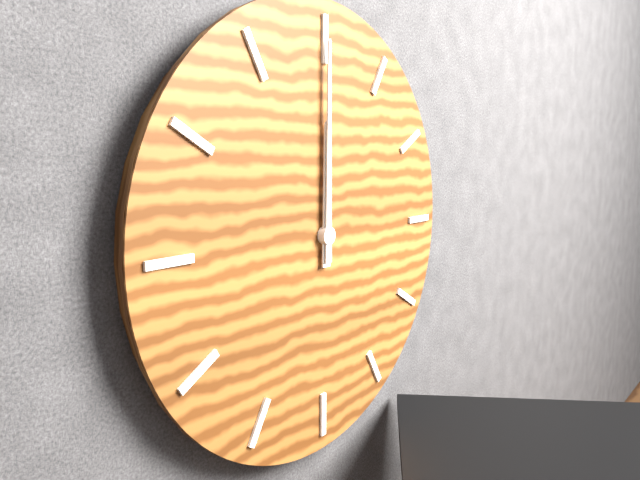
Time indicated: 12:00
